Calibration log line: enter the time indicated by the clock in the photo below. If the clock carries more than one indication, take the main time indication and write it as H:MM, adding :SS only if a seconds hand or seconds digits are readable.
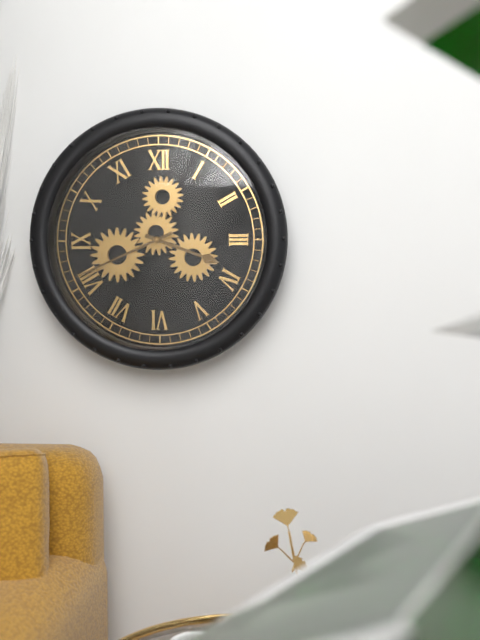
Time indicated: 3:41
